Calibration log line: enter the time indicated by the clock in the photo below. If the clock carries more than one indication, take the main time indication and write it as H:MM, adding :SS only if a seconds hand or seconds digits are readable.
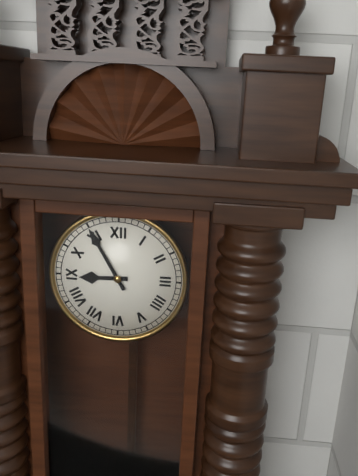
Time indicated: 8:55
